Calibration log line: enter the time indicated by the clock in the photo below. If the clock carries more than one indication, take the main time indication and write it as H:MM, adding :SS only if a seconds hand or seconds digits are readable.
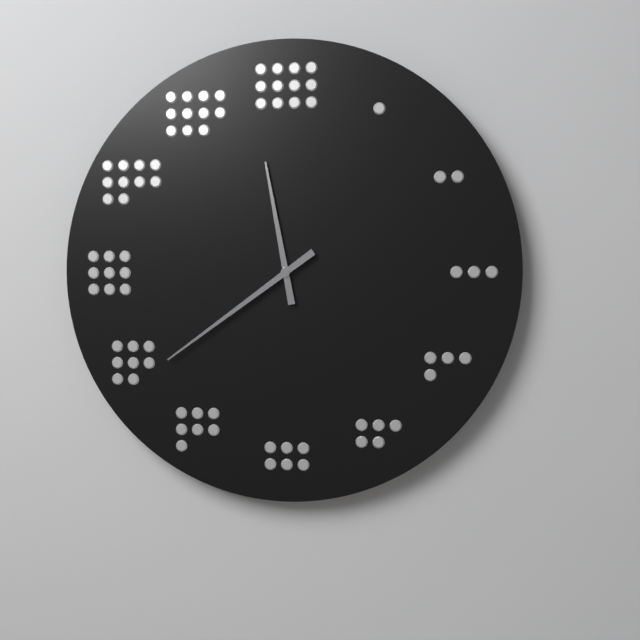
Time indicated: 11:39
